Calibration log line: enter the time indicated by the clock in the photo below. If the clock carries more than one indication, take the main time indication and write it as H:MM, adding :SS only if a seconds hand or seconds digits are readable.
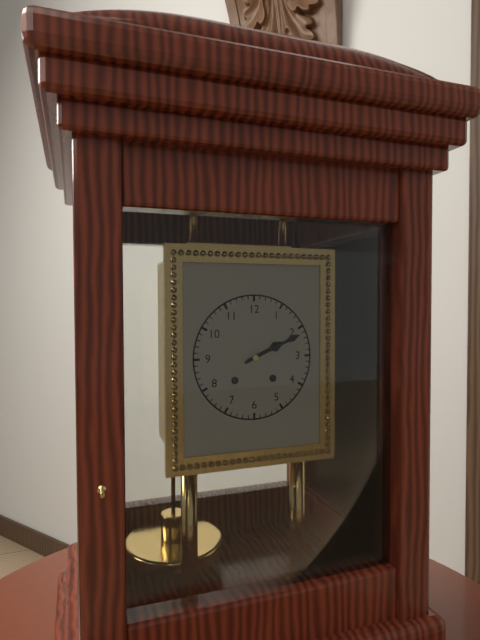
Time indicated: 2:11
